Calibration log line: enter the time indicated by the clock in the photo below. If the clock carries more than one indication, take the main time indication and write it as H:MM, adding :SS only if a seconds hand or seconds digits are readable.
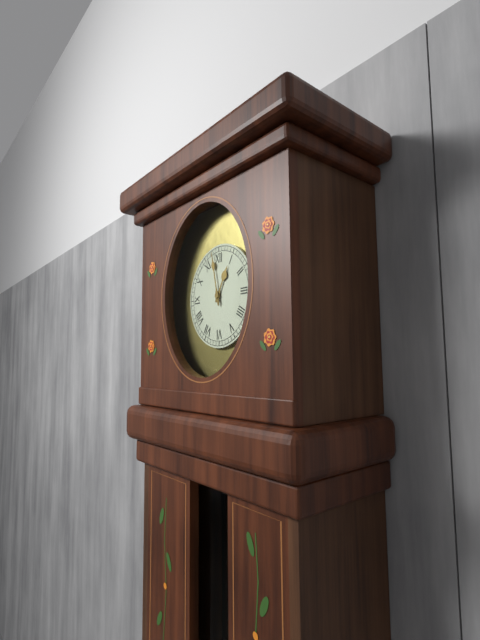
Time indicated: 12:58
